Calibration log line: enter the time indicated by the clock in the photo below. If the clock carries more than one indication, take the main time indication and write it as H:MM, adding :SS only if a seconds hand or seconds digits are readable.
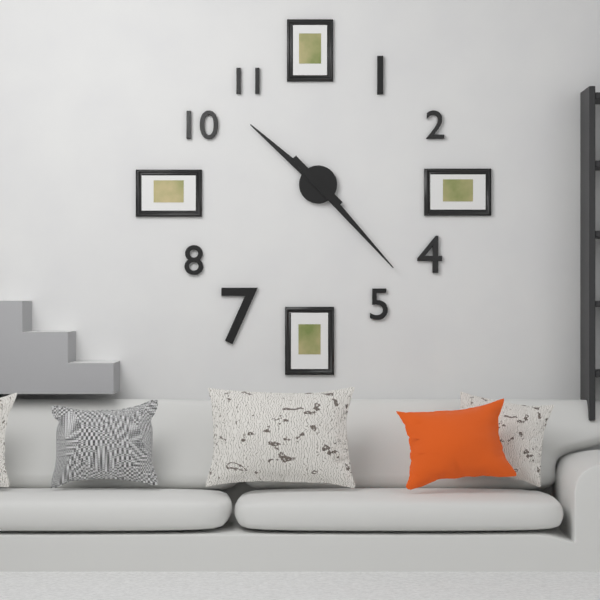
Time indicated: 10:23
